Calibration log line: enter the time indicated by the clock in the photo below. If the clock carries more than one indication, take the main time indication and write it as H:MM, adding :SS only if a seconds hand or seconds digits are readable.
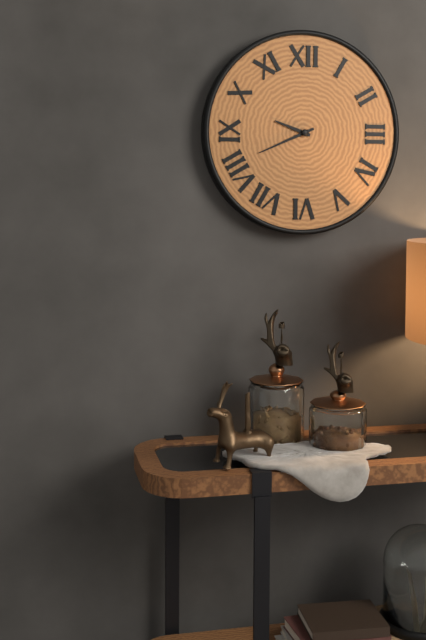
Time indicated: 9:41
